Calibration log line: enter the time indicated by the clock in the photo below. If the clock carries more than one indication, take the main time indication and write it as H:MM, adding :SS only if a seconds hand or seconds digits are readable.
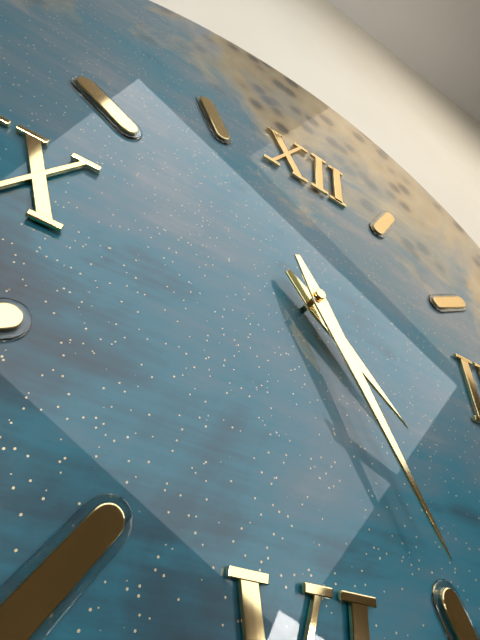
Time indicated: 4:25
